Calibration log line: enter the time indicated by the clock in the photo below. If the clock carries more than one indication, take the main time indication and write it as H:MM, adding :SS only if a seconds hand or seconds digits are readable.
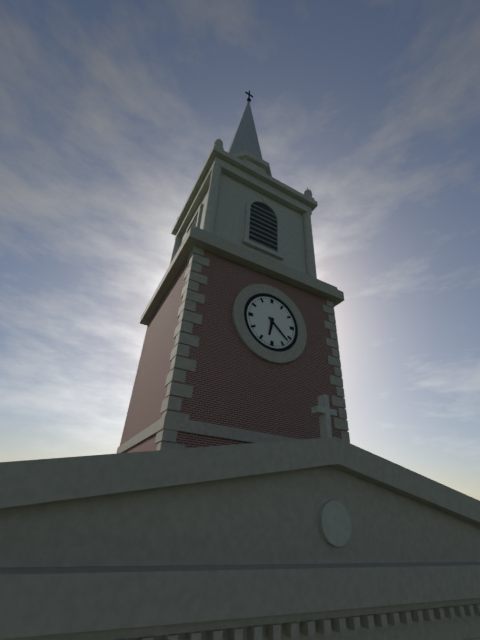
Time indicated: 6:22
